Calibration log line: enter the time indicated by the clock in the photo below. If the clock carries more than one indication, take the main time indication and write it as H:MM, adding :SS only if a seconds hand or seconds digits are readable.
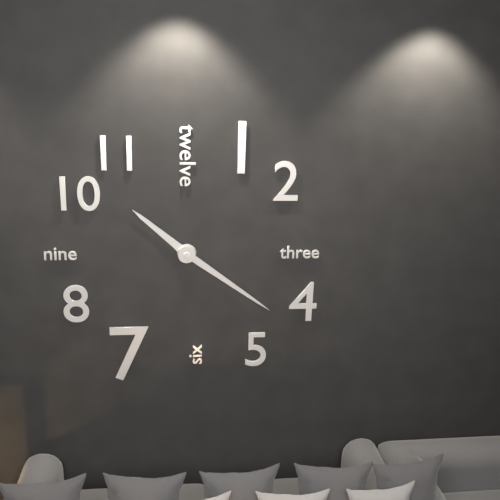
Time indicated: 10:21
